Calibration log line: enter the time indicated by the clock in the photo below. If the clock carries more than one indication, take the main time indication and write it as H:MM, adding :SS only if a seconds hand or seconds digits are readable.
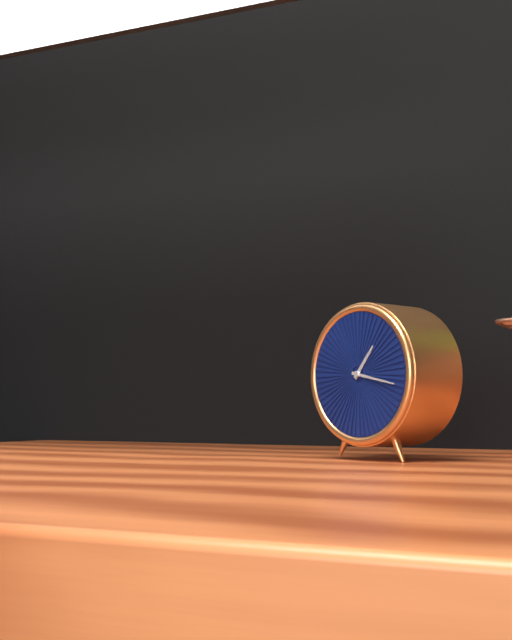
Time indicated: 1:17
